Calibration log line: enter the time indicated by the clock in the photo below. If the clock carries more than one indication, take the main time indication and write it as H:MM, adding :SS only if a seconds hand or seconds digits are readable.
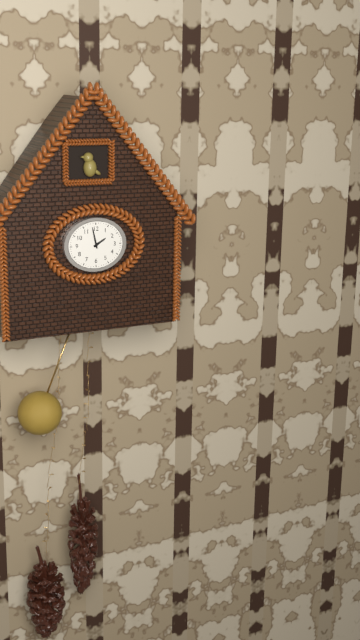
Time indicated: 1:58
